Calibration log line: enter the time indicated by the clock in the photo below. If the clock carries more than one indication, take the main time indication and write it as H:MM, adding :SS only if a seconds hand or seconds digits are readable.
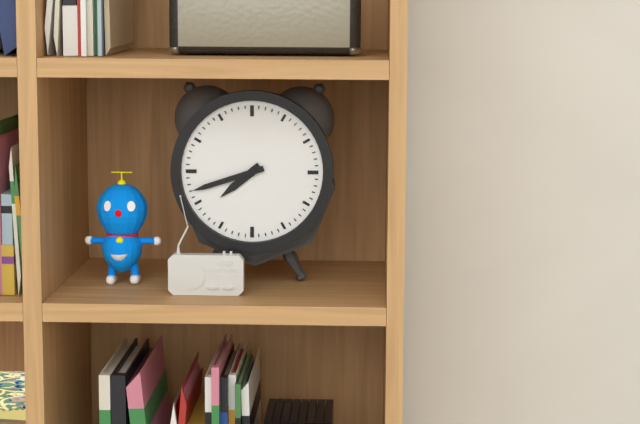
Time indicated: 7:42
